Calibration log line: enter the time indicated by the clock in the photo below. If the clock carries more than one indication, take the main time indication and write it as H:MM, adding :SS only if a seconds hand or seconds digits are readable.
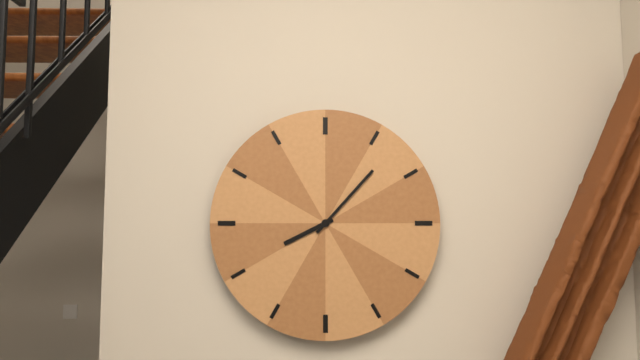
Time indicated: 8:07
